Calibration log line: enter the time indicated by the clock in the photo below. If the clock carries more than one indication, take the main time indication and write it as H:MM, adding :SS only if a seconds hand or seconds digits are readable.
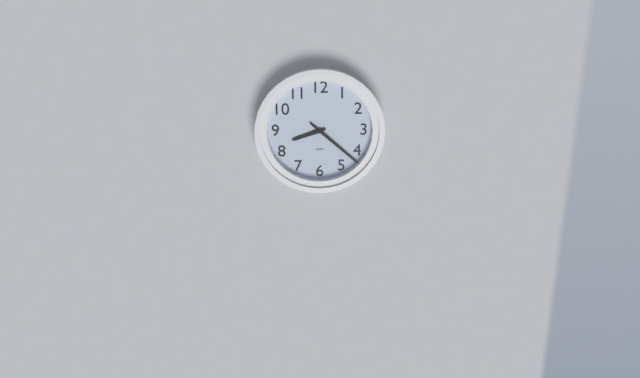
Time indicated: 8:22
